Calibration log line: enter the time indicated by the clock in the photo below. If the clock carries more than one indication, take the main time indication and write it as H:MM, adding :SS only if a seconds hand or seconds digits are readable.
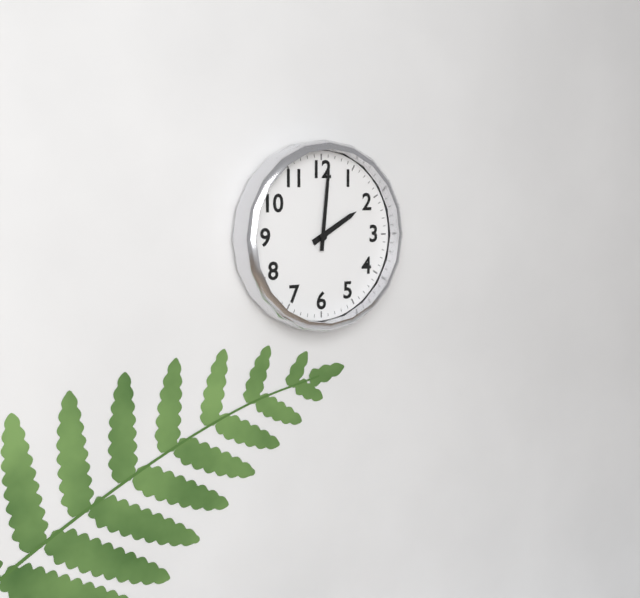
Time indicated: 2:01
